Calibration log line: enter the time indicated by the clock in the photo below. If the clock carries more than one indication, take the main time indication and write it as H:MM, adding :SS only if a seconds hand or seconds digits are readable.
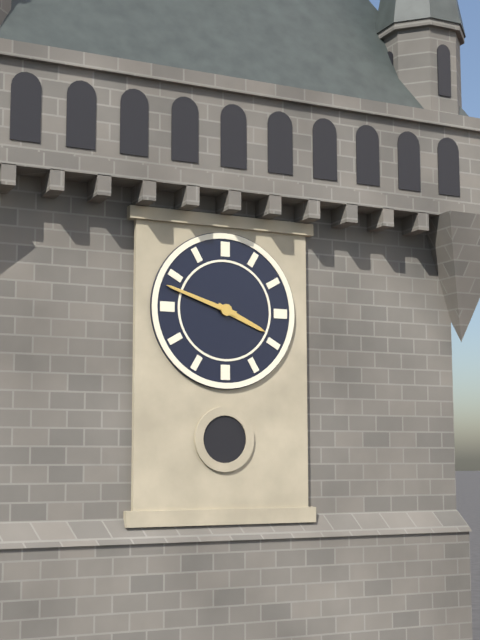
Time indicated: 3:48
